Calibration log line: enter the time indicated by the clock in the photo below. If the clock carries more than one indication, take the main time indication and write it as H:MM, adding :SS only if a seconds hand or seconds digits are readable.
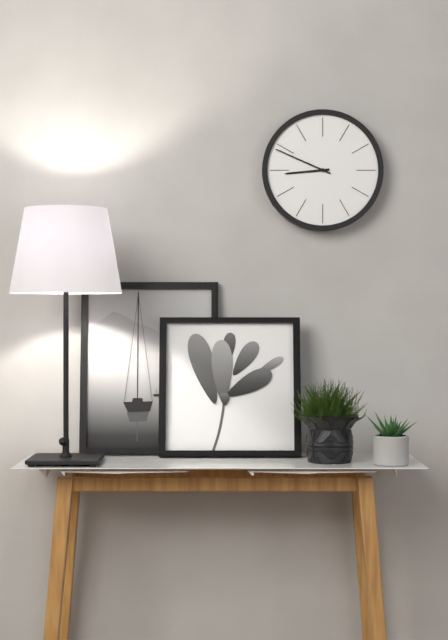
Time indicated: 8:49
